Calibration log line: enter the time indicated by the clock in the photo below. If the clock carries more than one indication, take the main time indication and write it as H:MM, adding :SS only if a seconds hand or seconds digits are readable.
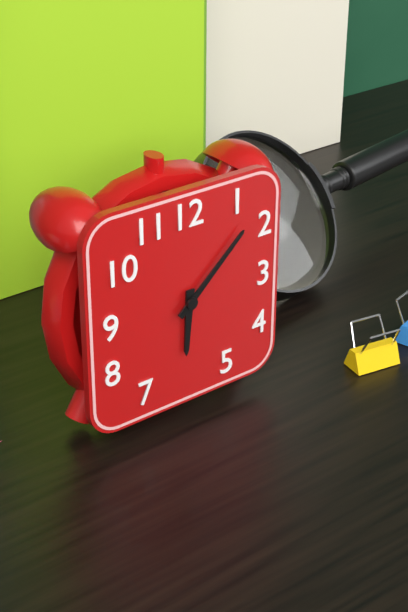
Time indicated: 6:08
